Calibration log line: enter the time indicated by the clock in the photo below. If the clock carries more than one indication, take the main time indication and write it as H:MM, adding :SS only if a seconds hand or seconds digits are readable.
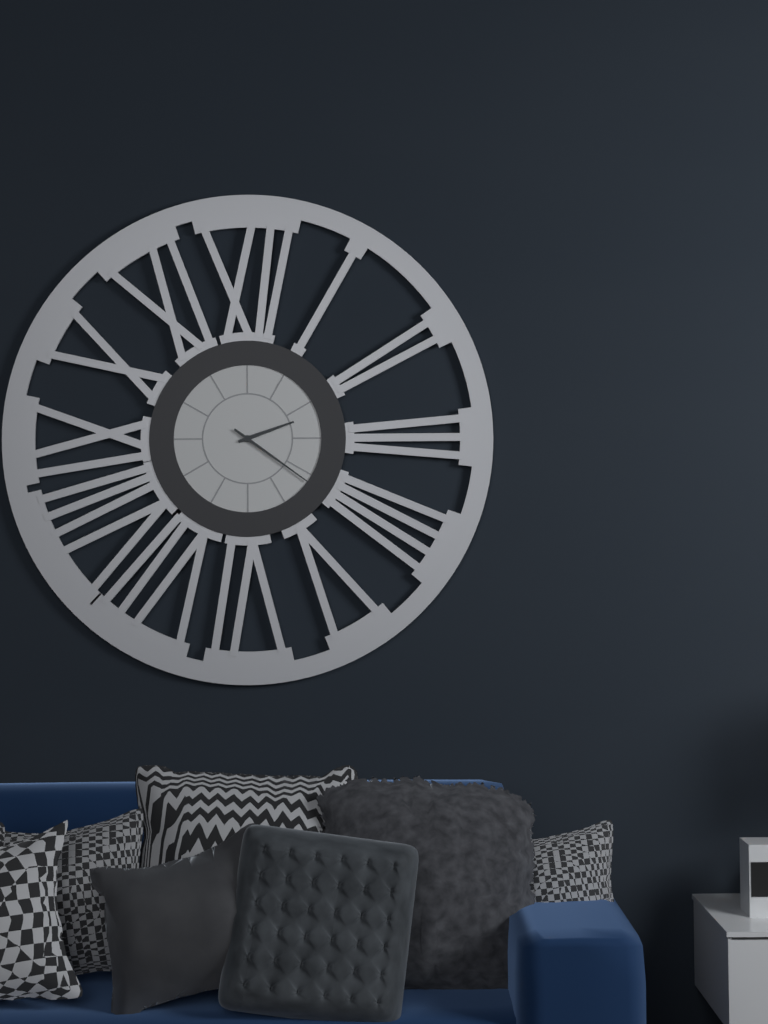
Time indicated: 2:21
